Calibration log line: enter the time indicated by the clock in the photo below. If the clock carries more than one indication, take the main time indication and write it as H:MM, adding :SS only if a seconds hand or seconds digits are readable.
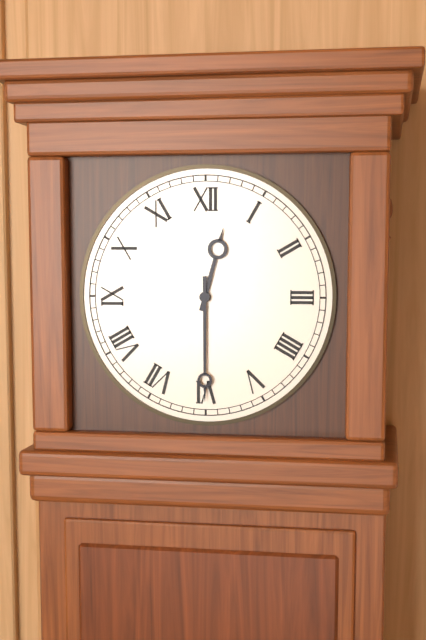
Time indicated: 12:30
